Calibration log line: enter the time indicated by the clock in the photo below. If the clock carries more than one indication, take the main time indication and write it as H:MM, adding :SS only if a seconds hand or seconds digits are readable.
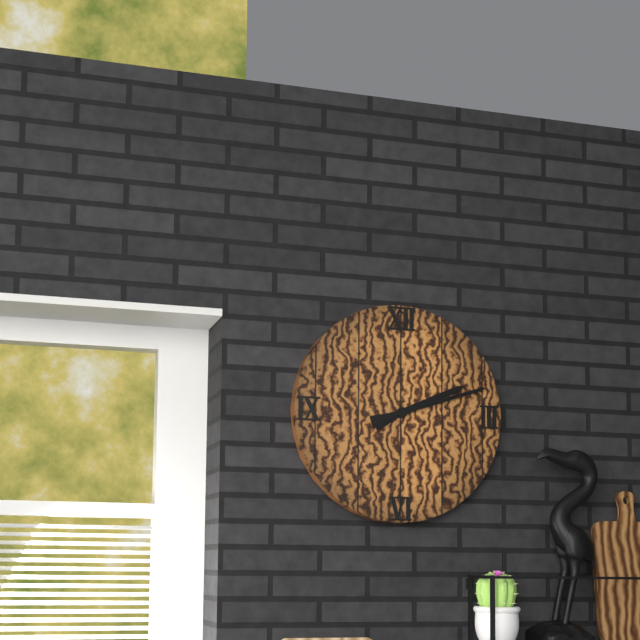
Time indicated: 2:12
